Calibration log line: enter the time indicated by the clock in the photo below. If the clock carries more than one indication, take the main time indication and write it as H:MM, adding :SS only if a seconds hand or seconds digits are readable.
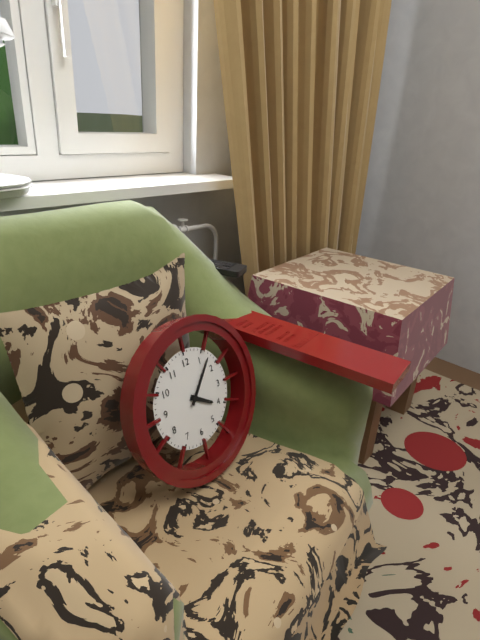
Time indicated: 4:07
